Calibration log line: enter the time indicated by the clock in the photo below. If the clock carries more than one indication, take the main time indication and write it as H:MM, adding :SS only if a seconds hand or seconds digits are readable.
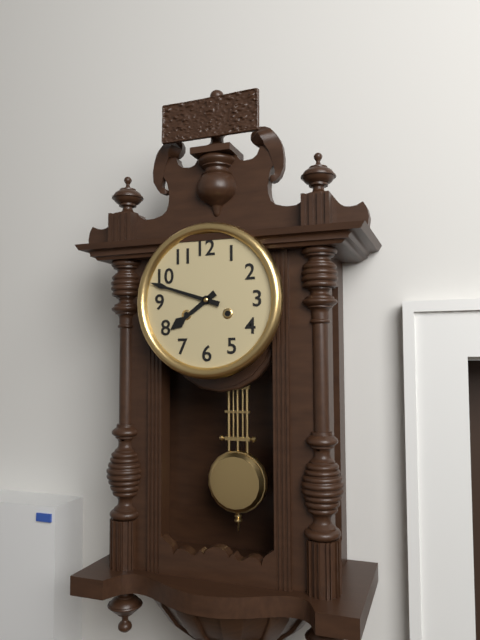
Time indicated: 7:48
